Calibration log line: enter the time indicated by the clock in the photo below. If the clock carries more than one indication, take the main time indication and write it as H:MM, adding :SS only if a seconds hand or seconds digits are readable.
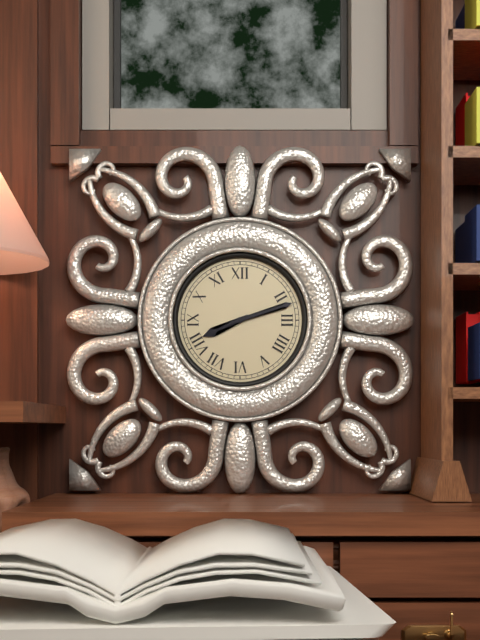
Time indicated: 8:12
